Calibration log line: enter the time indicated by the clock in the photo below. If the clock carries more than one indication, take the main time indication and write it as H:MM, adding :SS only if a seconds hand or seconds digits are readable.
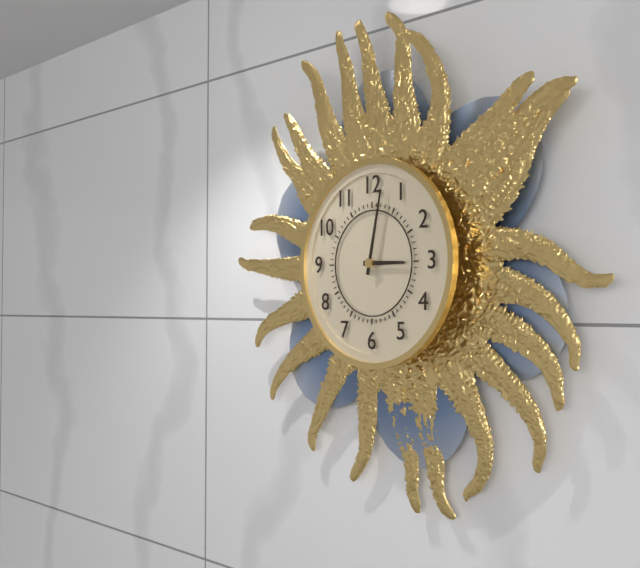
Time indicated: 3:02
